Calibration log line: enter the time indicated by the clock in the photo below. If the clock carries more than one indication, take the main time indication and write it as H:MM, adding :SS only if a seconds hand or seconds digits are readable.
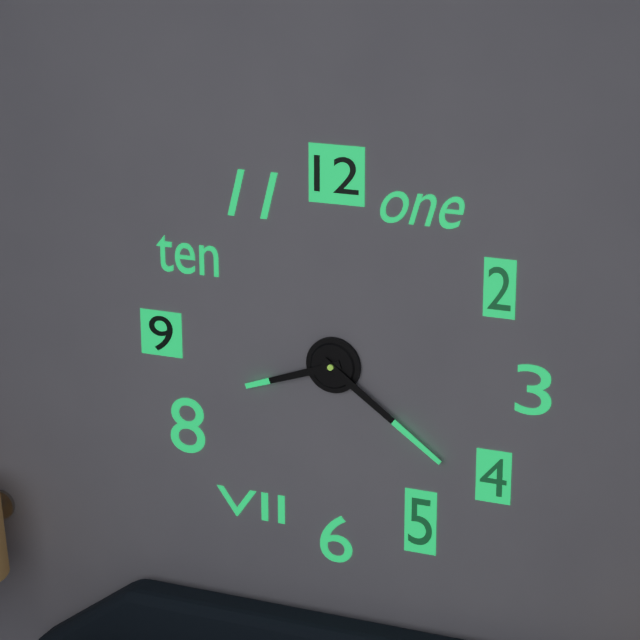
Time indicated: 8:21
